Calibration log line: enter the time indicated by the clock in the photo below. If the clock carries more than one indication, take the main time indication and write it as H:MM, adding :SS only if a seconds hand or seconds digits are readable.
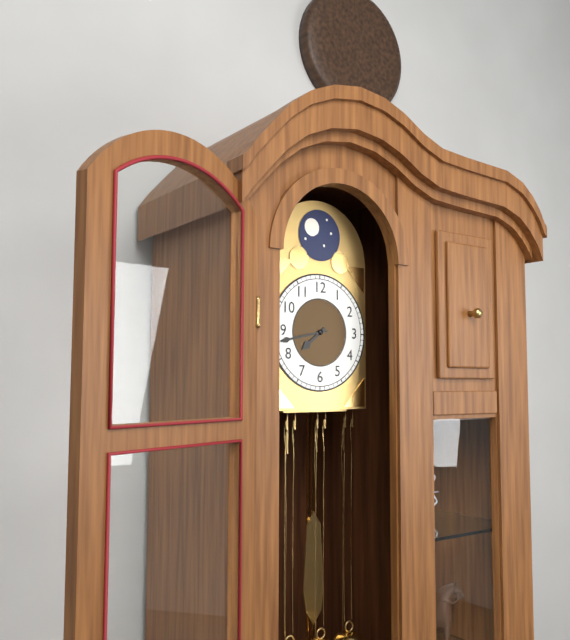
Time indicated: 7:43
